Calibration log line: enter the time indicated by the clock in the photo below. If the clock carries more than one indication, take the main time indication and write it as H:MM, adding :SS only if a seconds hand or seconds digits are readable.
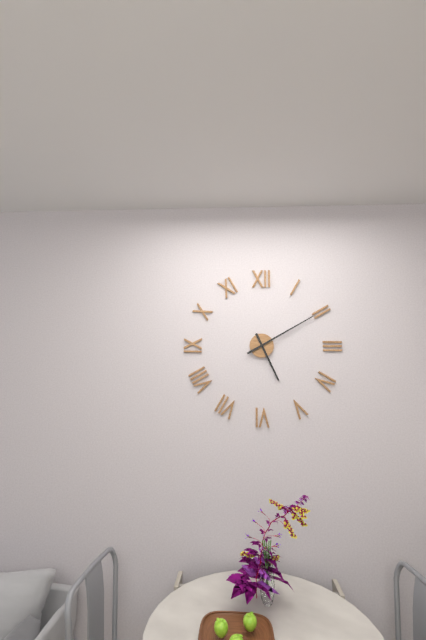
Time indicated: 5:10
